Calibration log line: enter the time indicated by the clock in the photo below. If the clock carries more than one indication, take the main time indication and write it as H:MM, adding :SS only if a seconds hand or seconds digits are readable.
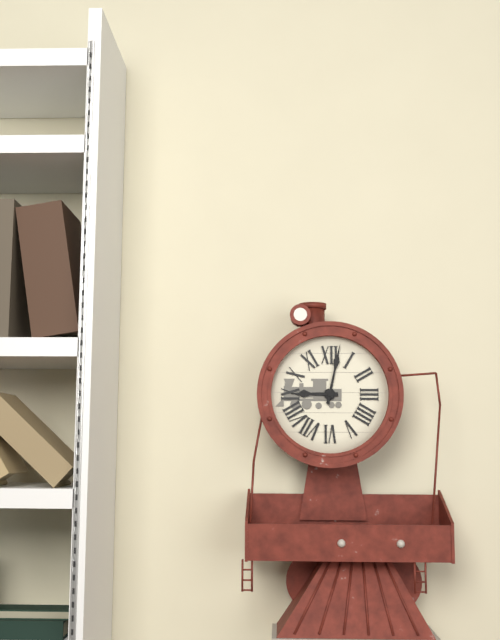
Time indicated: 9:02
